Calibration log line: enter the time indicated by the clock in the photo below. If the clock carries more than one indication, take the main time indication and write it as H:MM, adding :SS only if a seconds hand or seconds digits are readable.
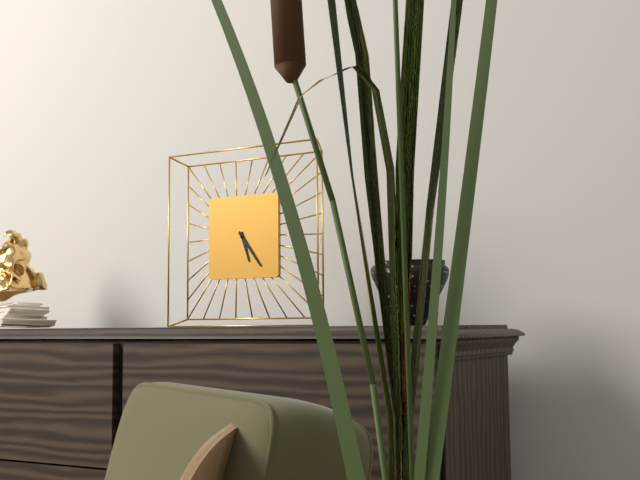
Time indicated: 5:24
